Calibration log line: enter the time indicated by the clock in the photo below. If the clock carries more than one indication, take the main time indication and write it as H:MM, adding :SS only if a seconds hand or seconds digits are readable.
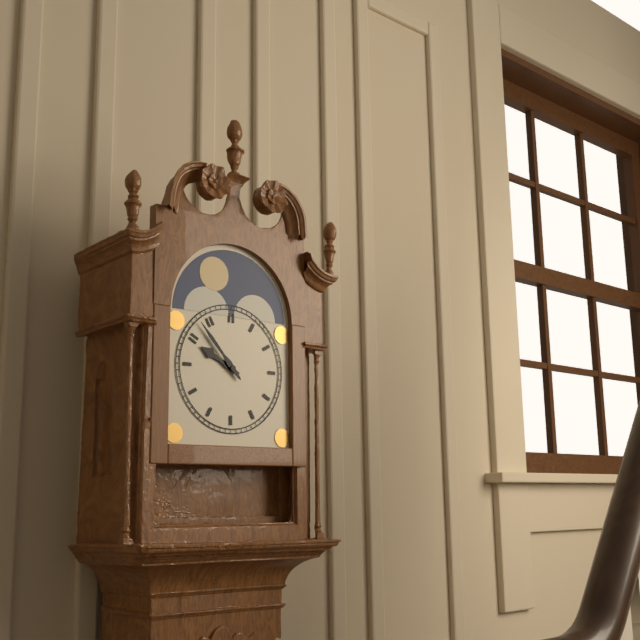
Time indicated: 9:53
